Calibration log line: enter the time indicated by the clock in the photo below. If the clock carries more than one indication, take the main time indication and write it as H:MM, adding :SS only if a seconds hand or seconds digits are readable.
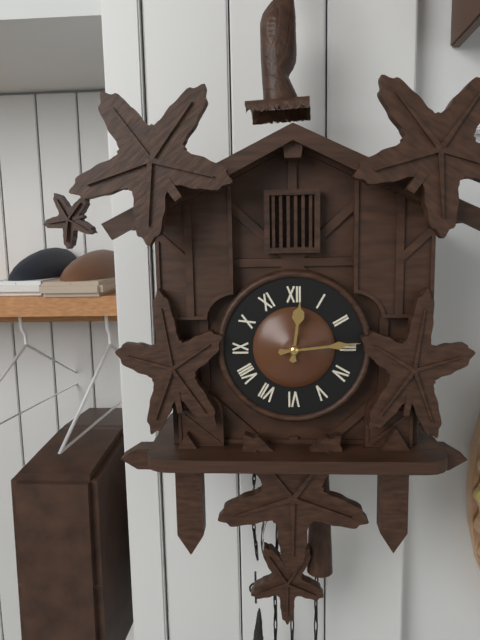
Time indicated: 12:14
